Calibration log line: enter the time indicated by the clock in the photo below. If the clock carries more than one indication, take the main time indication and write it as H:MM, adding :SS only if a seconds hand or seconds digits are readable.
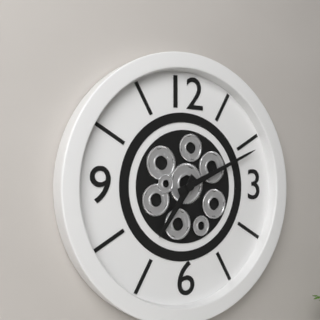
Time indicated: 7:11
